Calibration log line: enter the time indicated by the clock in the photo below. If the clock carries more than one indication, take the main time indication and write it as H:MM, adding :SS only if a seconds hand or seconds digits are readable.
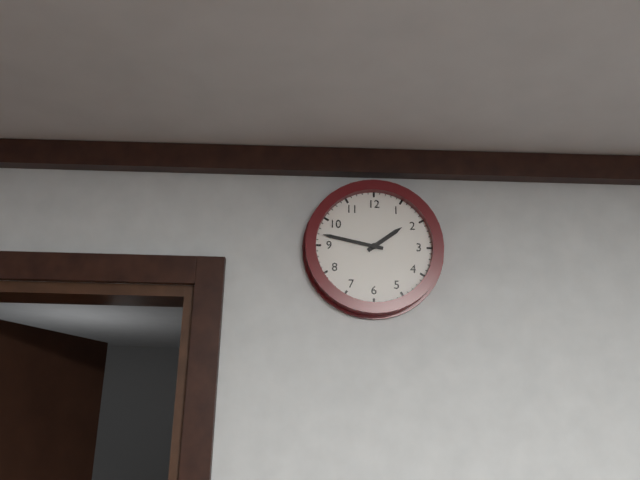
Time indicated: 1:47
